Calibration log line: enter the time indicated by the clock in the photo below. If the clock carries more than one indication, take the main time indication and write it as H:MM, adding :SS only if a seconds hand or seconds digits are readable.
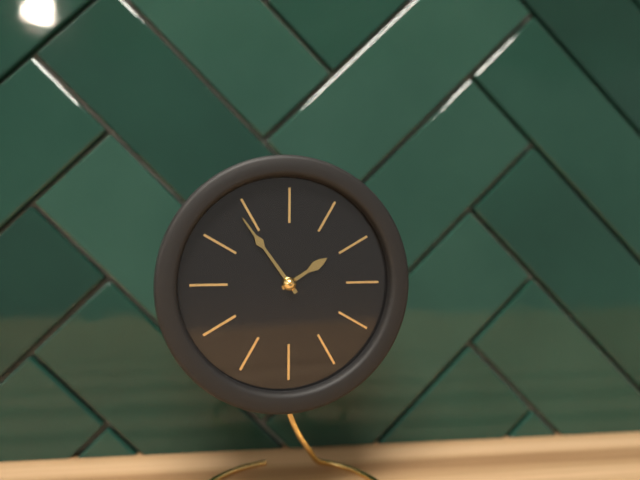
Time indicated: 1:54
